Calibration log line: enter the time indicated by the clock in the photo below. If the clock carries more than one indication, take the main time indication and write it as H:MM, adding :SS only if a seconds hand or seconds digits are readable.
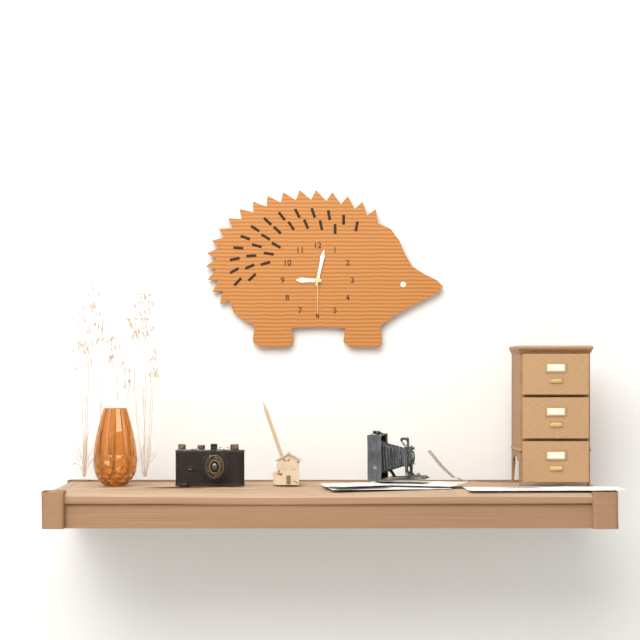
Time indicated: 9:02
